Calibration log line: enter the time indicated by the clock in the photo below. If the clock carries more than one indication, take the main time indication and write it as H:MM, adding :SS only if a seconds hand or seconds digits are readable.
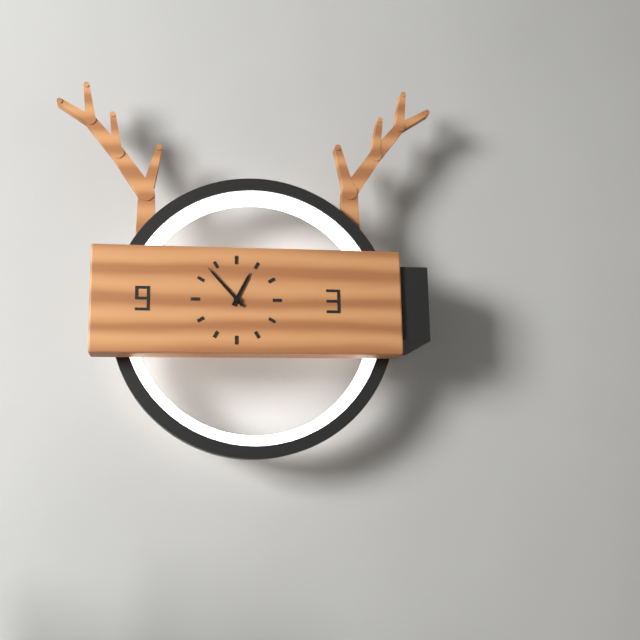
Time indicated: 12:53
